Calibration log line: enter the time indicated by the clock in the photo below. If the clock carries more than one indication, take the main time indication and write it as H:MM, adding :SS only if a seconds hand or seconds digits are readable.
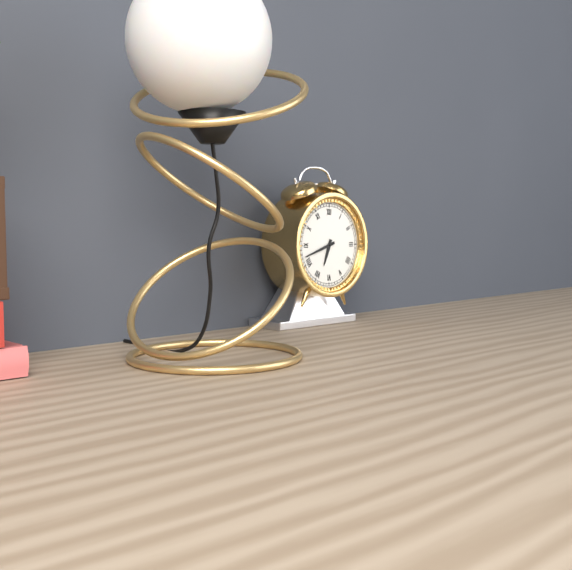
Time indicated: 6:42
